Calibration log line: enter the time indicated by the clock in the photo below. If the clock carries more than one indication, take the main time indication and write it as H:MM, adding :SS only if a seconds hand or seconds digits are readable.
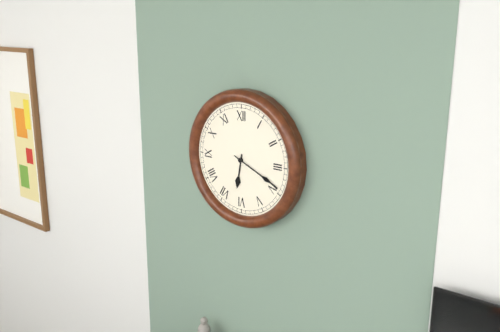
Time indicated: 6:19
